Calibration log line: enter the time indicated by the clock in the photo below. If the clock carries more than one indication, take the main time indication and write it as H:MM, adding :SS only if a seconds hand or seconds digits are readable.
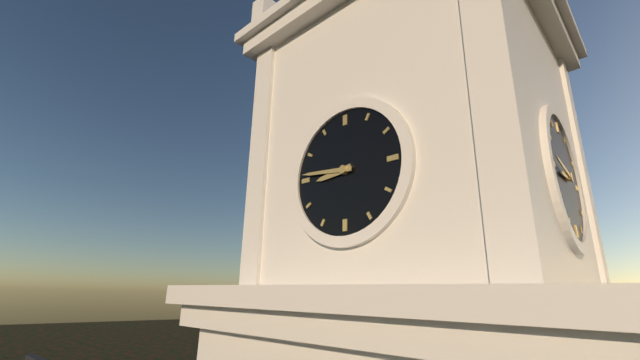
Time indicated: 8:46
